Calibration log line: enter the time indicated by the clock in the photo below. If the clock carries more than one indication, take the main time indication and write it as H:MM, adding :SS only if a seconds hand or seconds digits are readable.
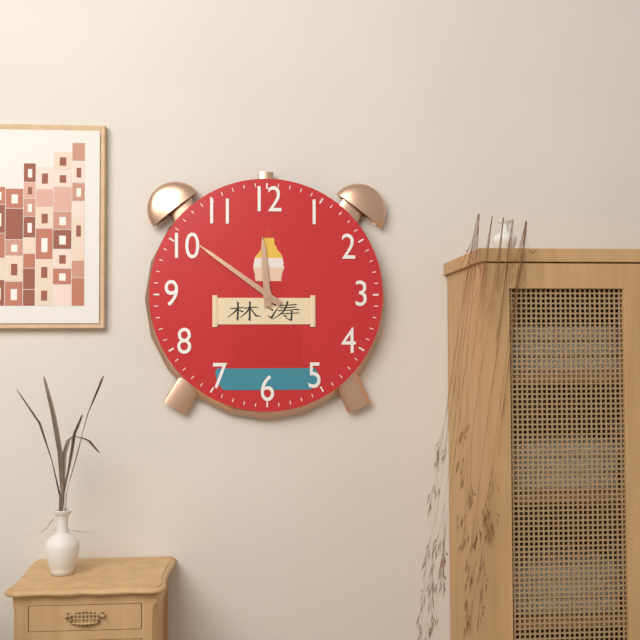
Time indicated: 11:51
